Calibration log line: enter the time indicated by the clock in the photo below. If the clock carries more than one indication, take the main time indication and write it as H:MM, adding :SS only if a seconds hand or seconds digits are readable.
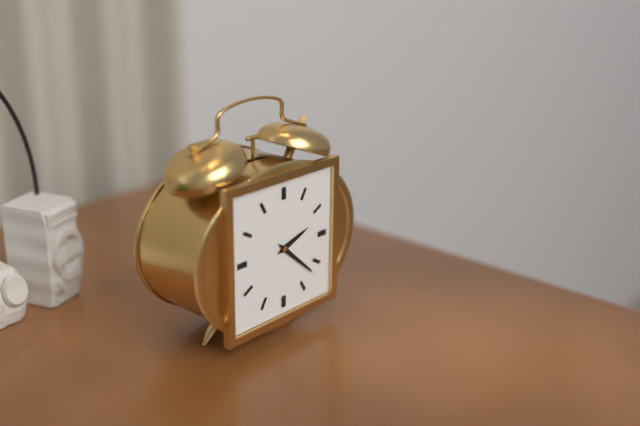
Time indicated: 2:22
